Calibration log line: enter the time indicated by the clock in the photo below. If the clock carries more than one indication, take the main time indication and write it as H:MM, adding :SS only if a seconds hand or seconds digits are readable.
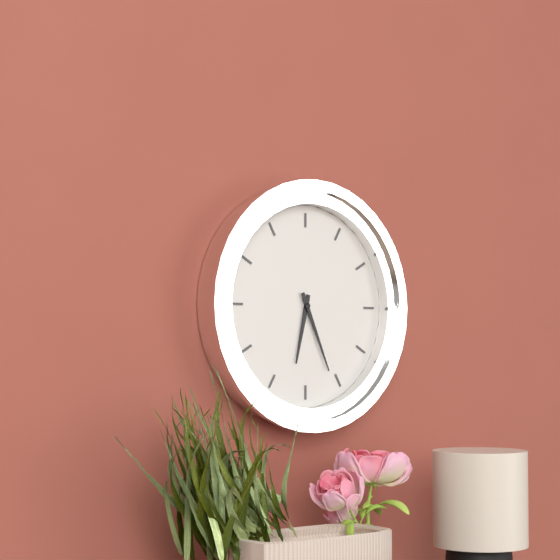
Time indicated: 6:26
